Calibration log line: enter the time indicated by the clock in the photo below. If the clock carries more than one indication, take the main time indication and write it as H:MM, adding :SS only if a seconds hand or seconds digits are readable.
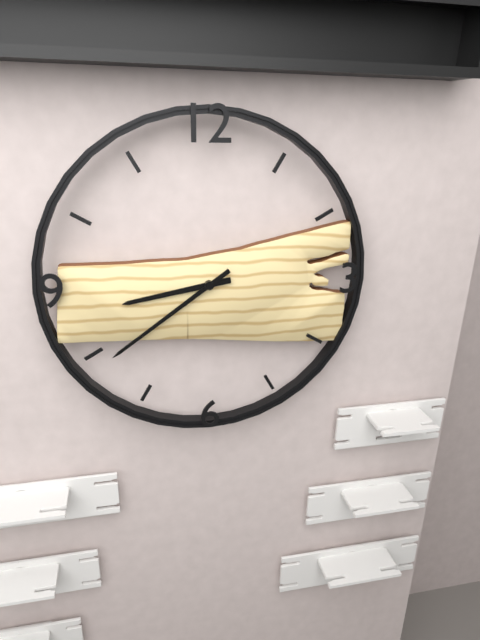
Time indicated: 8:39
